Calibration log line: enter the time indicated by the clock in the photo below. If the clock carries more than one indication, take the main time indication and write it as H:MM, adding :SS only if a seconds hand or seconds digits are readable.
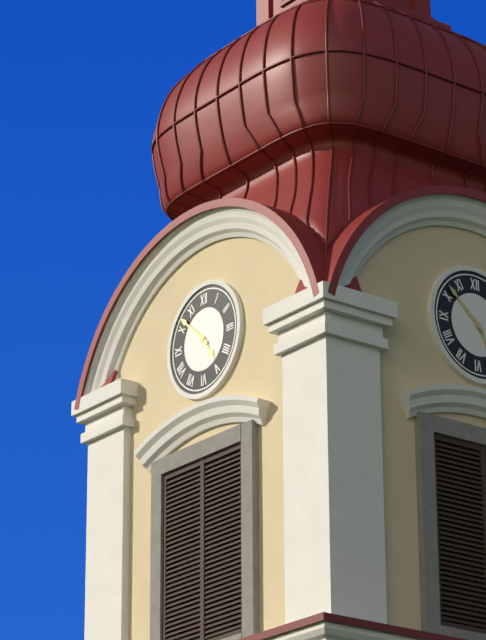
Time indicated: 4:52
